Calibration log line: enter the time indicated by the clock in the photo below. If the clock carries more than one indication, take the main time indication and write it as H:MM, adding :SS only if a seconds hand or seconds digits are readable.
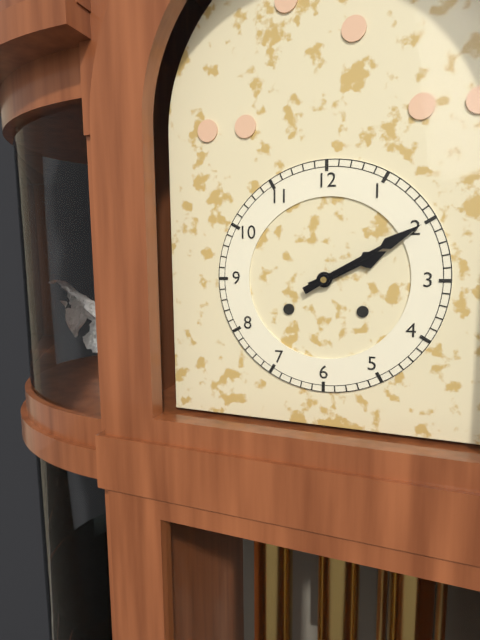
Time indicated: 2:10
